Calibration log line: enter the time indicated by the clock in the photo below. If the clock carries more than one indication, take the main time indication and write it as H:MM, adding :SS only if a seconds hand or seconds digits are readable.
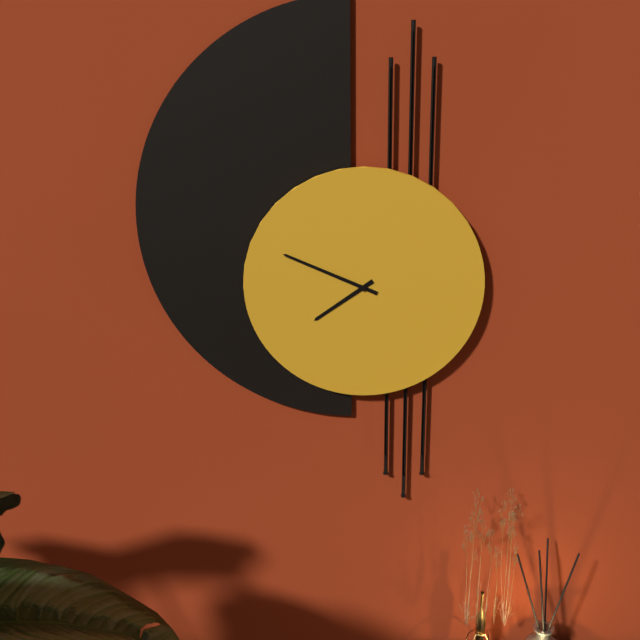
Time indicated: 7:49
